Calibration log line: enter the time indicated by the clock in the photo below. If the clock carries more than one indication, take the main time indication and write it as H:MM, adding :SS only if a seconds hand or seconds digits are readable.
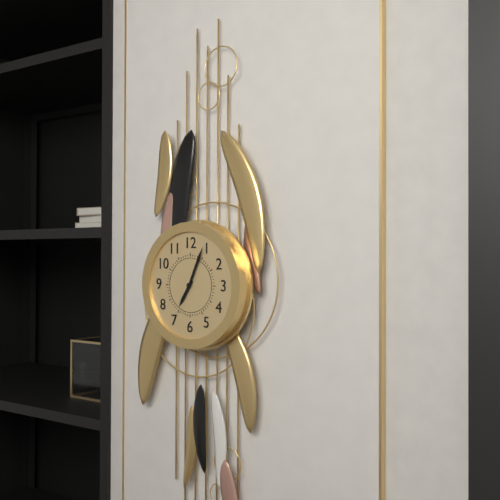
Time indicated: 7:04
